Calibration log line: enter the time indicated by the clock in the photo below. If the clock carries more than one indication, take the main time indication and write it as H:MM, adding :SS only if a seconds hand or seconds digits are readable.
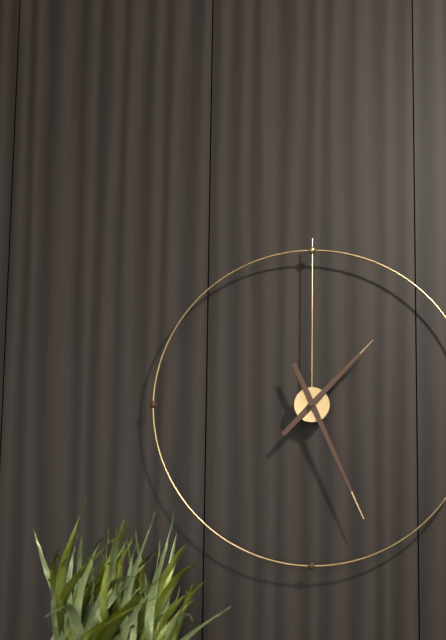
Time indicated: 1:26
